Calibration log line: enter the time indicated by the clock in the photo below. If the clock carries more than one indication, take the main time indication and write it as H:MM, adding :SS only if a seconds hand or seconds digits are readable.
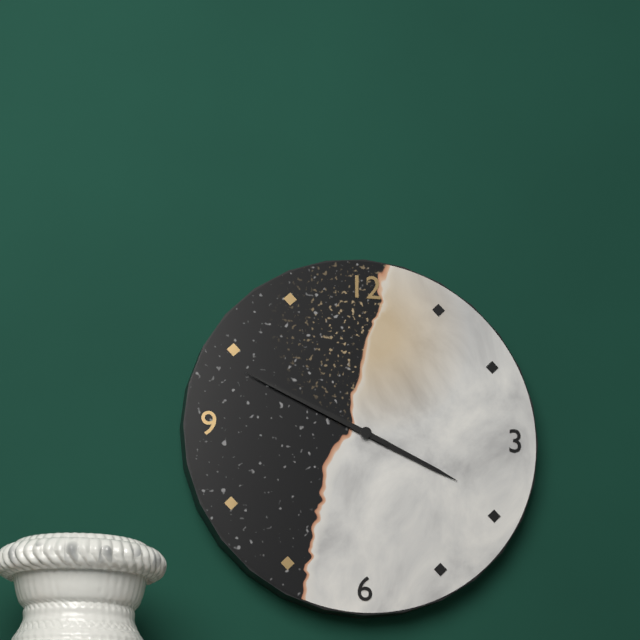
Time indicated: 3:49
